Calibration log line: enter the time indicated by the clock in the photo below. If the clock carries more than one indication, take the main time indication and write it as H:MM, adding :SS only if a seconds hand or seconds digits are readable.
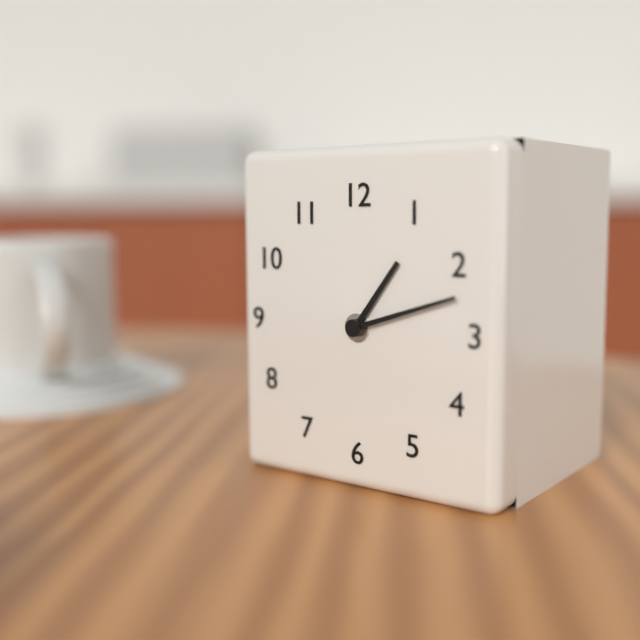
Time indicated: 1:12
